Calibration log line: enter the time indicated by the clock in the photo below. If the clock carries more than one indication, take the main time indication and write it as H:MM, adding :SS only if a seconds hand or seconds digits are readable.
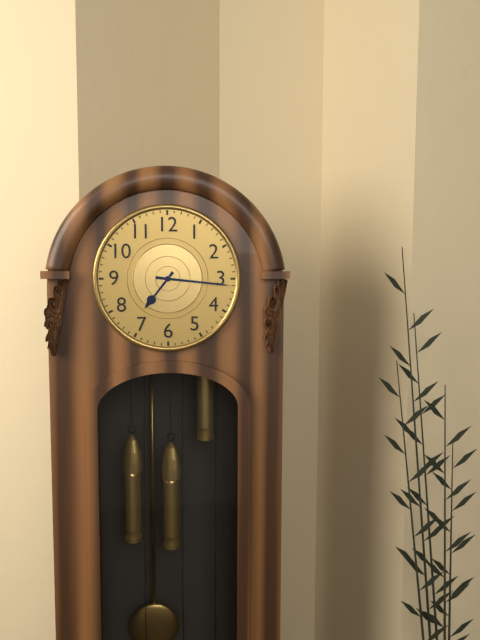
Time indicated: 7:16
